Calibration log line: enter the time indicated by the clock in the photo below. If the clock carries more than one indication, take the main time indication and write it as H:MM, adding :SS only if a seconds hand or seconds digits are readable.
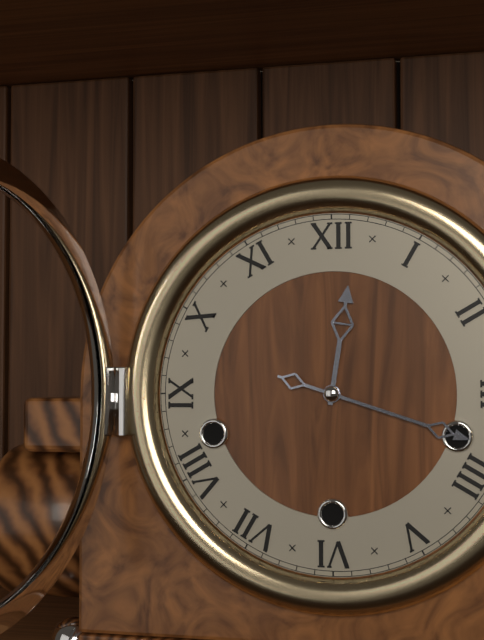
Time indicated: 12:18
